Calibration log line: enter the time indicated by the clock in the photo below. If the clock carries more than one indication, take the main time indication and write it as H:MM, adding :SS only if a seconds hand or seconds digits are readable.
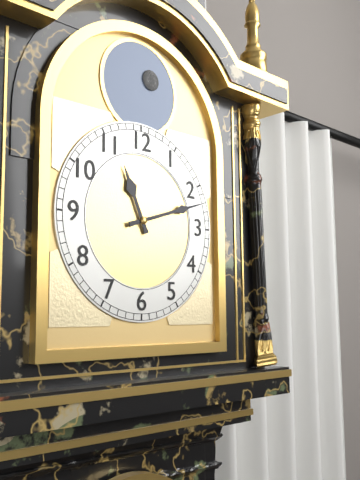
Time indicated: 11:12
